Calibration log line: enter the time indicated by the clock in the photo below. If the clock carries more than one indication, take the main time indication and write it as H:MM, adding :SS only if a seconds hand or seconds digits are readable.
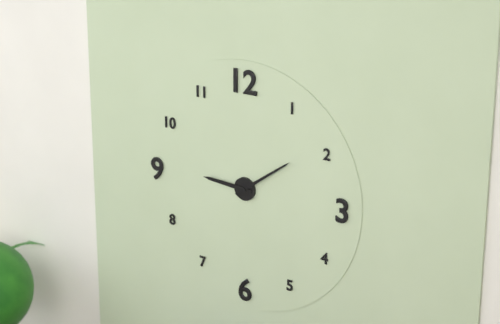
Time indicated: 9:09
